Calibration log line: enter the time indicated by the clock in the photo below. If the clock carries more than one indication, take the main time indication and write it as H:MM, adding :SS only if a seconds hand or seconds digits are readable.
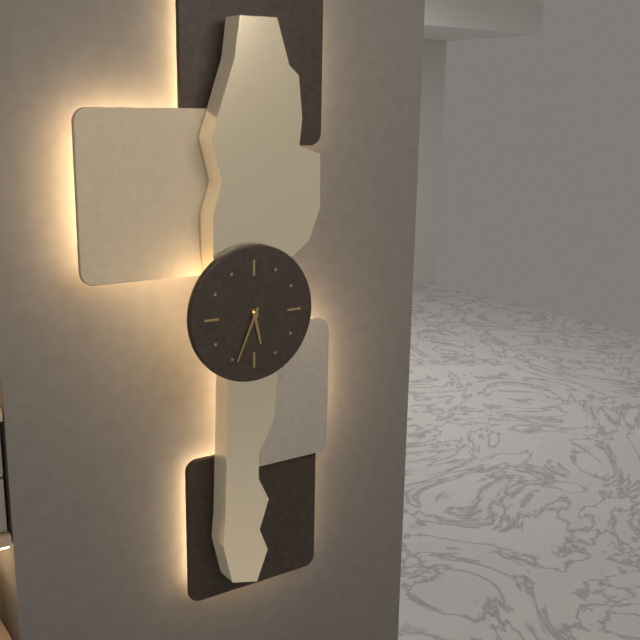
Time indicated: 5:34
